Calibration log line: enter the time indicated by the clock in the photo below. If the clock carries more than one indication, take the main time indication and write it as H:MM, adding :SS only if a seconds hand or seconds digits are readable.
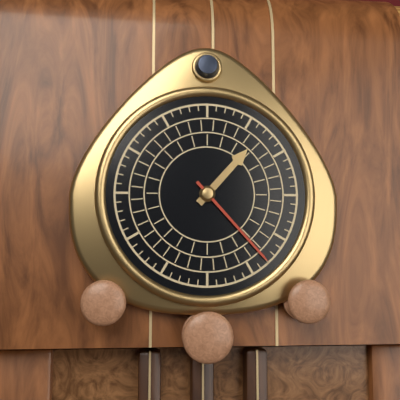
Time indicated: 1:23
